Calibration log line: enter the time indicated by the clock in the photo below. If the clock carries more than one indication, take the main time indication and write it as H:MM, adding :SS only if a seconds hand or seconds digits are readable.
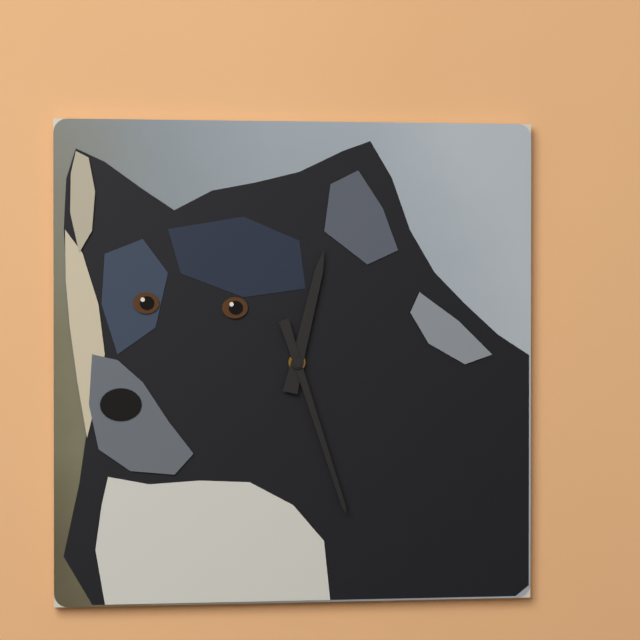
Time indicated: 12:27
